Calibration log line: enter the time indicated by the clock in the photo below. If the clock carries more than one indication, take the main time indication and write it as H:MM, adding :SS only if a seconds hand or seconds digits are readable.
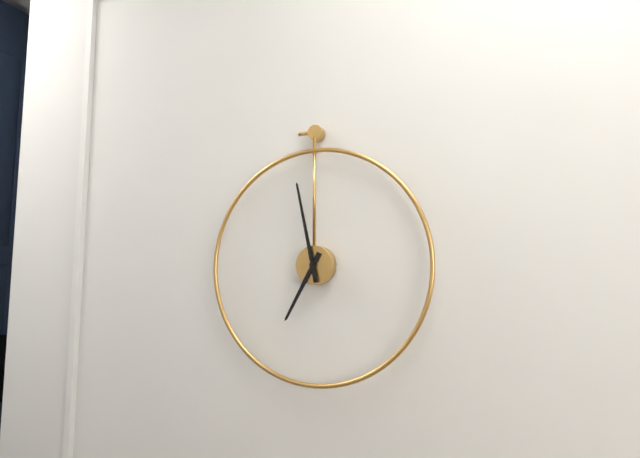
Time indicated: 6:58
